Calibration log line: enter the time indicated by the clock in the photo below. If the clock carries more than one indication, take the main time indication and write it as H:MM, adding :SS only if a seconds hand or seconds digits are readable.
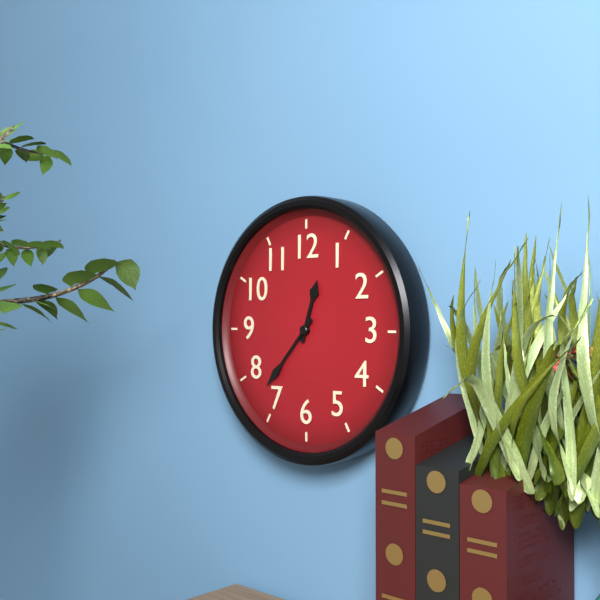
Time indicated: 12:37
